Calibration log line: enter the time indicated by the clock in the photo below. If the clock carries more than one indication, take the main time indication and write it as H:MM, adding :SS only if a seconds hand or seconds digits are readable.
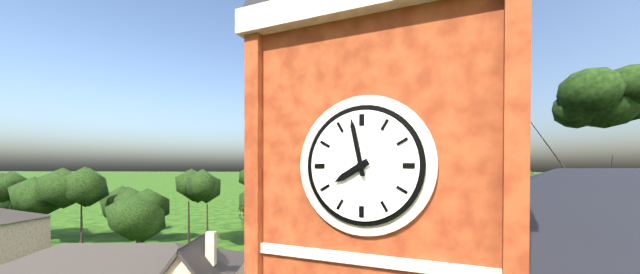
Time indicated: 7:58
